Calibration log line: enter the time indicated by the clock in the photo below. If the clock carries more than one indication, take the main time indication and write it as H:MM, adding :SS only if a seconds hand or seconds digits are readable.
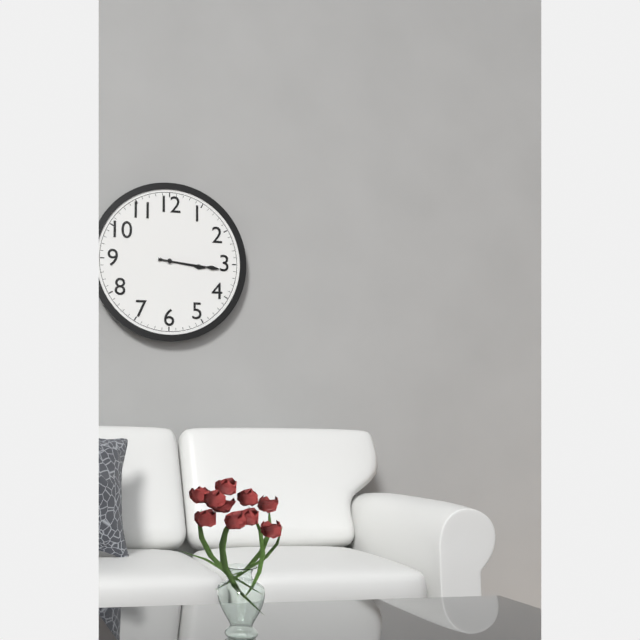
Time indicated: 3:16
